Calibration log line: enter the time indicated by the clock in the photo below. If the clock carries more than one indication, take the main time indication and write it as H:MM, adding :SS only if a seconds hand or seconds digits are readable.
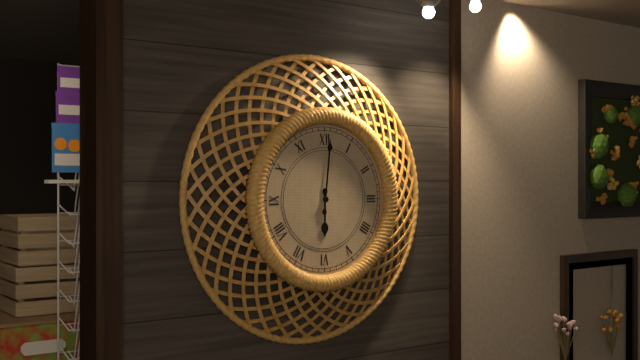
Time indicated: 6:01
